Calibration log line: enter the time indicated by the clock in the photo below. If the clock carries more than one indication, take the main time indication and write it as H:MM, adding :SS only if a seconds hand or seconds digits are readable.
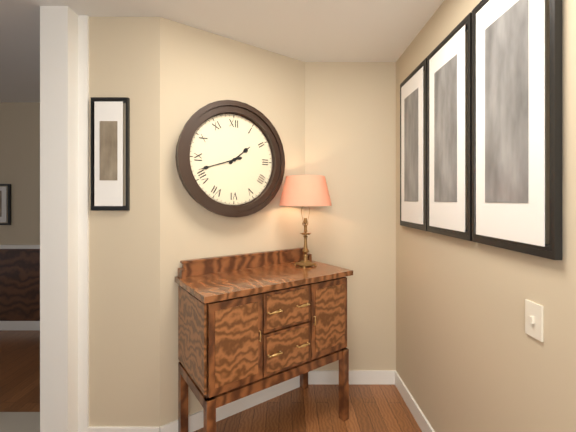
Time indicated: 1:42
